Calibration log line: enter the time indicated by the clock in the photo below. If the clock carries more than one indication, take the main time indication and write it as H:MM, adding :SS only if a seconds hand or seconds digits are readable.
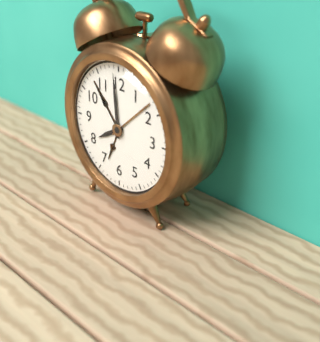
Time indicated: 7:59
